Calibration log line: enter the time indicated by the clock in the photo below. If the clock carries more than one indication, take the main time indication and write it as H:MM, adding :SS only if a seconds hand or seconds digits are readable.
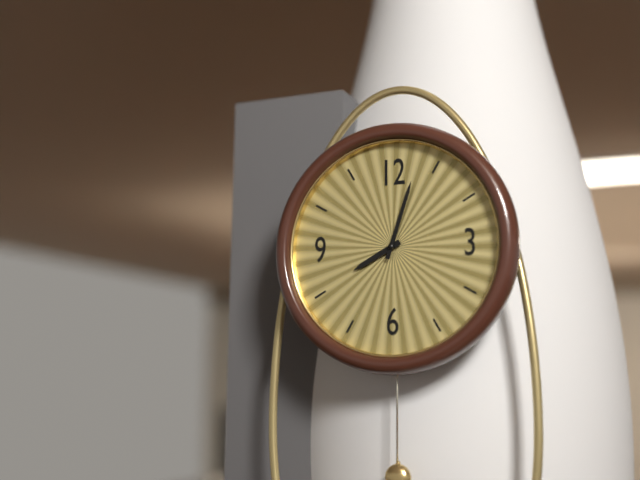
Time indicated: 8:03
